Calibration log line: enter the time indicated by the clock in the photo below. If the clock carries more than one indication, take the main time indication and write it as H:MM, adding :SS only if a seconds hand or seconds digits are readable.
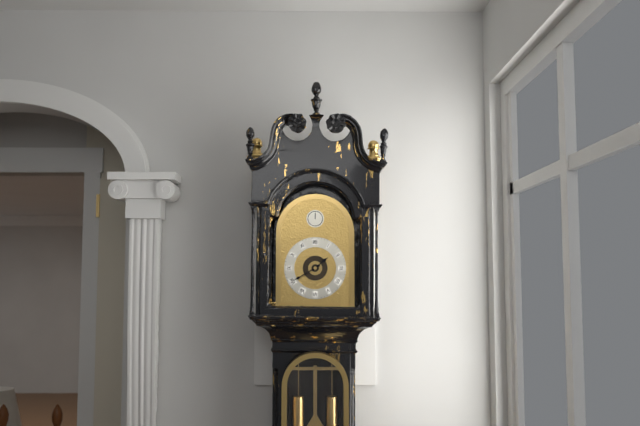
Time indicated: 1:40
